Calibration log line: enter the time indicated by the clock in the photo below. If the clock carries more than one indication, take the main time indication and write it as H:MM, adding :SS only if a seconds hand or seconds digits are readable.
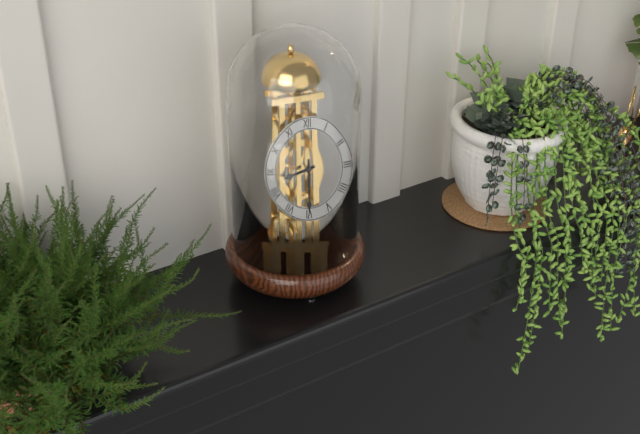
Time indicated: 8:30
